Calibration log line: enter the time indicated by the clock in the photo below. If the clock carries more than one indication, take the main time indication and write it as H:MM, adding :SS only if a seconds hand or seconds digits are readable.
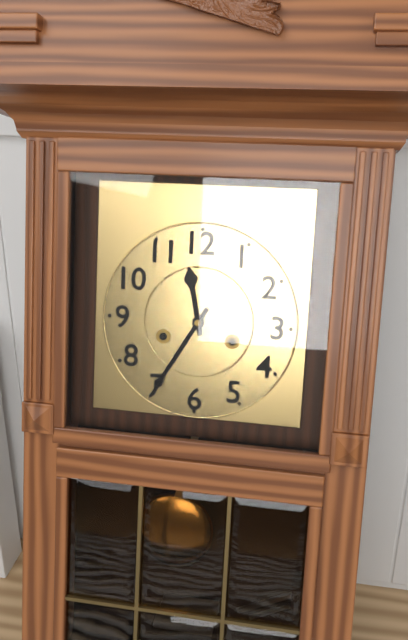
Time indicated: 11:35
